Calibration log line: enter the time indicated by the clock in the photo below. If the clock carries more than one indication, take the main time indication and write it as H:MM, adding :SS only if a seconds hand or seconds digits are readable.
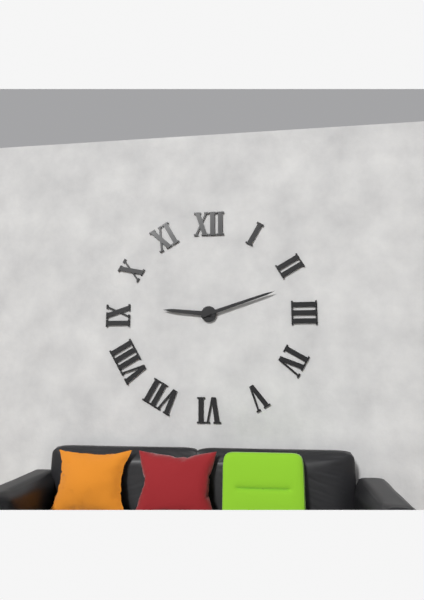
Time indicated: 9:12
